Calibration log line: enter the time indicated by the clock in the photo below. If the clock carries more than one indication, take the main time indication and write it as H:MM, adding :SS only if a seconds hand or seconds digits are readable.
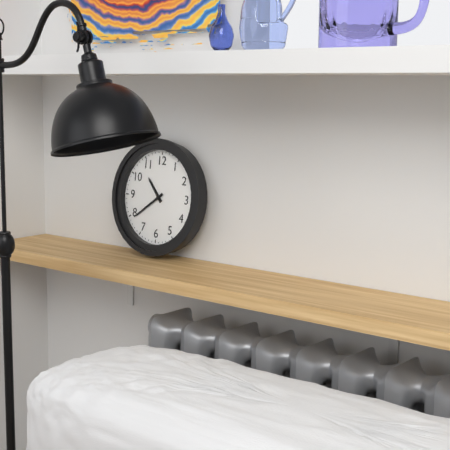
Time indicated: 10:39
